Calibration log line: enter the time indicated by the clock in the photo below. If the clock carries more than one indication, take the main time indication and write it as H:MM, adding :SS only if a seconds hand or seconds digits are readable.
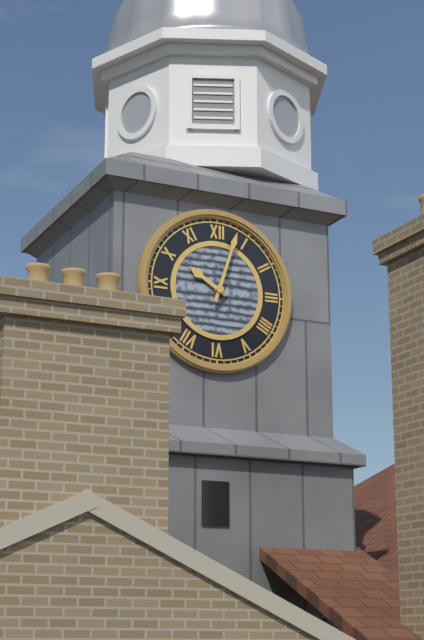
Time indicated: 10:03
